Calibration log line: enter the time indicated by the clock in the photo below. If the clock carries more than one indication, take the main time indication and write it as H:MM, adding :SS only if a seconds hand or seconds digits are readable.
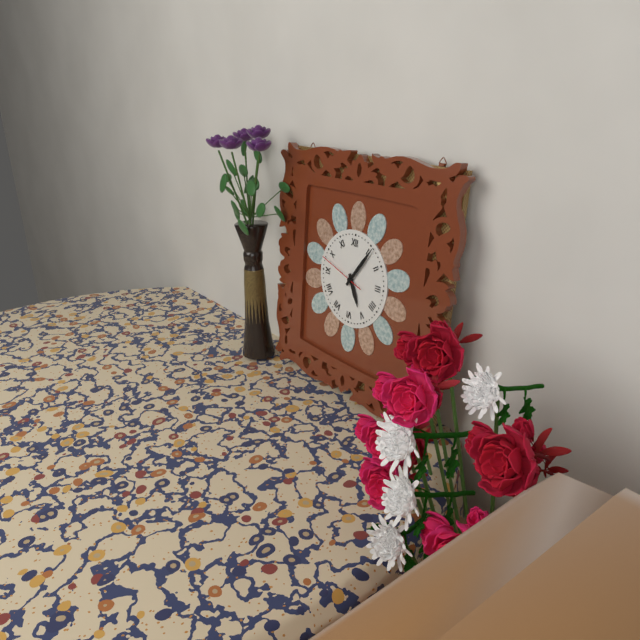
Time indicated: 5:06
